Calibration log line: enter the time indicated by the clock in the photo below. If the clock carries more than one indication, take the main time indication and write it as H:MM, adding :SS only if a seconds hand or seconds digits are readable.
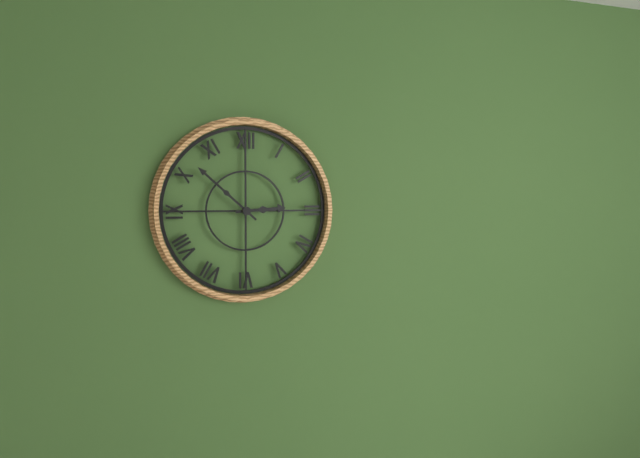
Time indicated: 2:52
